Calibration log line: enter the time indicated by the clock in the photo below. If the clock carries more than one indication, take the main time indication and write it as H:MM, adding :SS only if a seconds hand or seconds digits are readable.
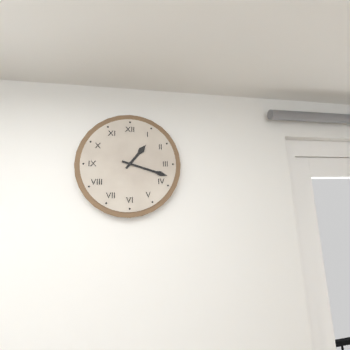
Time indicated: 1:18
